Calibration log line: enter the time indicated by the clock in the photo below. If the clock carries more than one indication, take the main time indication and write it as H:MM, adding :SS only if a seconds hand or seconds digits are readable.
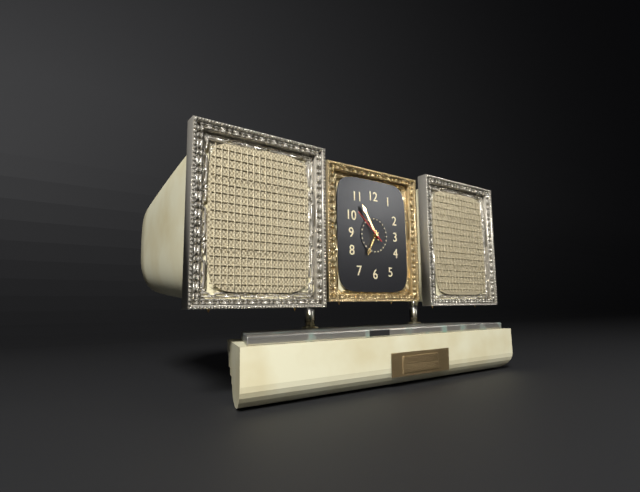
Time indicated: 6:55
